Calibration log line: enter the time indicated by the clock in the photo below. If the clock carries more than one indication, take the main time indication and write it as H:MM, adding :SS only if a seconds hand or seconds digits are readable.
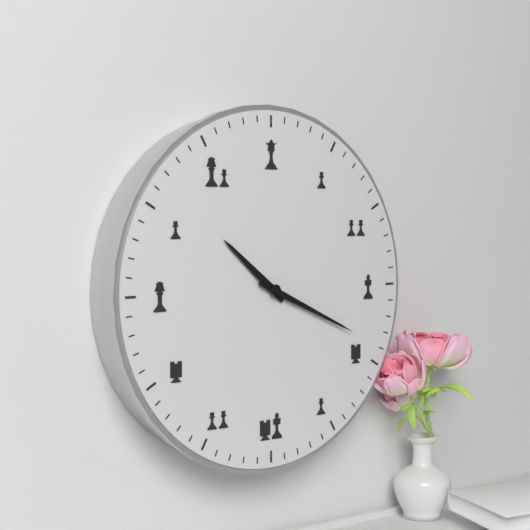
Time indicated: 10:19
